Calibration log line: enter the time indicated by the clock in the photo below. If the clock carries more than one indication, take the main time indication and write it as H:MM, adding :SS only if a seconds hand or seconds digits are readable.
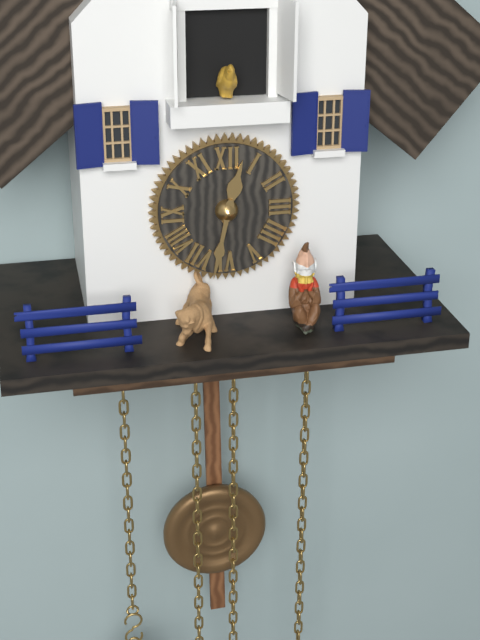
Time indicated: 12:32
